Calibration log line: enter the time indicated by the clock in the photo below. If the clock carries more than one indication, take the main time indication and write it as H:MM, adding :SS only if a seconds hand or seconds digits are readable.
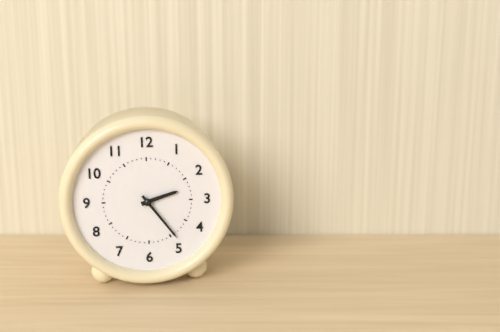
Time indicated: 2:24
